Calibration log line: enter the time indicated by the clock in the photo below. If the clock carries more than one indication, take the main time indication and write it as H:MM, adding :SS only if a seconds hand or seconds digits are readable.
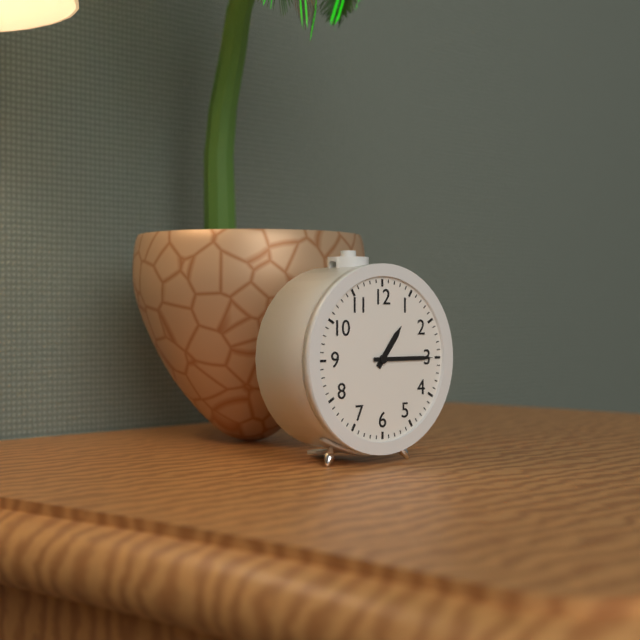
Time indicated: 1:15
